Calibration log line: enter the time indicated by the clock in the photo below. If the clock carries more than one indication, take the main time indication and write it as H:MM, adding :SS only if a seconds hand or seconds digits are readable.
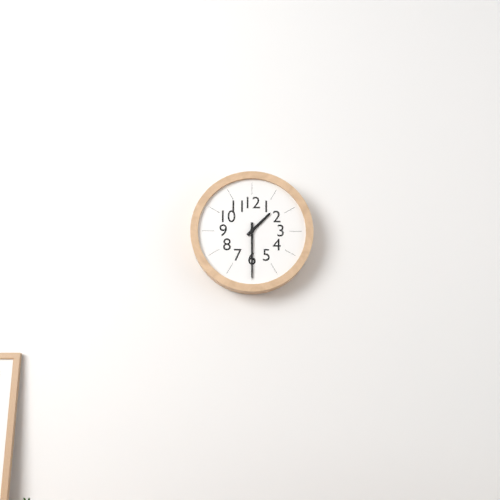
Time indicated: 1:30
